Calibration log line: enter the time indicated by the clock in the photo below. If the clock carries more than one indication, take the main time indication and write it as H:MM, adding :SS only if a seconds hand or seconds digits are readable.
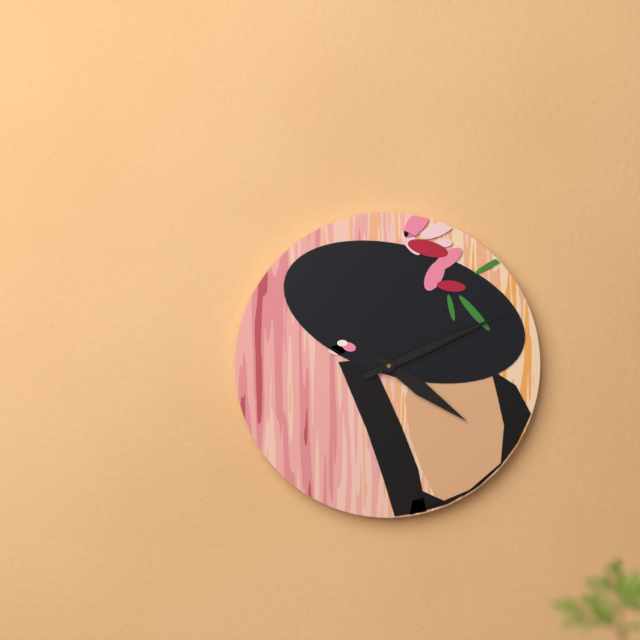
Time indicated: 4:11
